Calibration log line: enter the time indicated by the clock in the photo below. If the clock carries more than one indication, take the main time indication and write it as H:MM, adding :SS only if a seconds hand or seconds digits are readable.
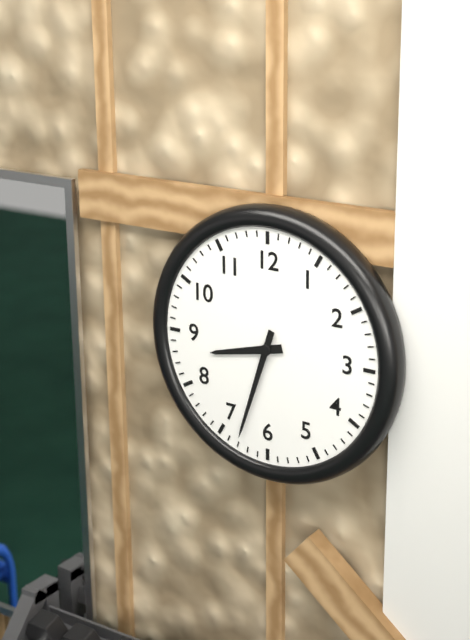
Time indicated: 8:33
